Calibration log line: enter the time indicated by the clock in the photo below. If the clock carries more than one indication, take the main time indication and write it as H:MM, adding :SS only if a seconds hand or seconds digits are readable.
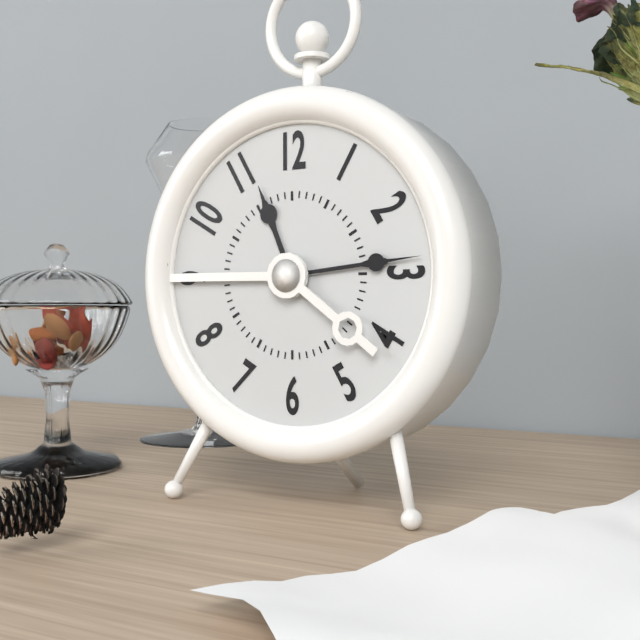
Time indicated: 11:14
